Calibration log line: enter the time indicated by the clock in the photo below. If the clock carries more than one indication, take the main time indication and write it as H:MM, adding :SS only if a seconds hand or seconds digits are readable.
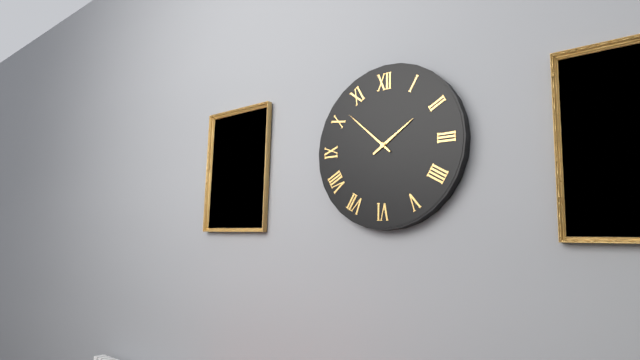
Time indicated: 1:52
